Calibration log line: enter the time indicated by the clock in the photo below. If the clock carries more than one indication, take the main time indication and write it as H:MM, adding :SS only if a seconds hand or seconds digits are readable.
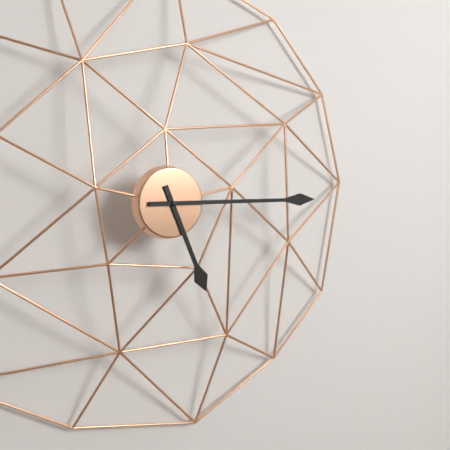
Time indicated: 5:15
